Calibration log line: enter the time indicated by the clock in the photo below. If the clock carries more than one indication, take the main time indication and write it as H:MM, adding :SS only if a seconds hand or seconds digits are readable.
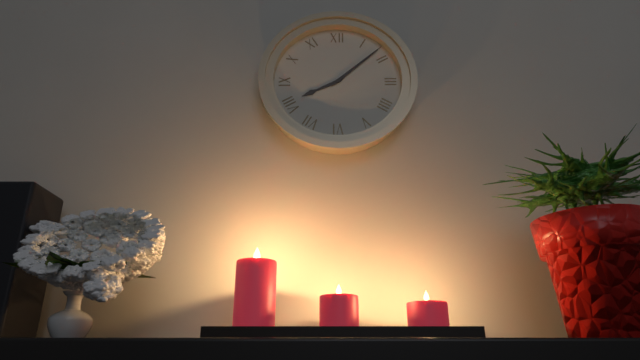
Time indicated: 8:08
